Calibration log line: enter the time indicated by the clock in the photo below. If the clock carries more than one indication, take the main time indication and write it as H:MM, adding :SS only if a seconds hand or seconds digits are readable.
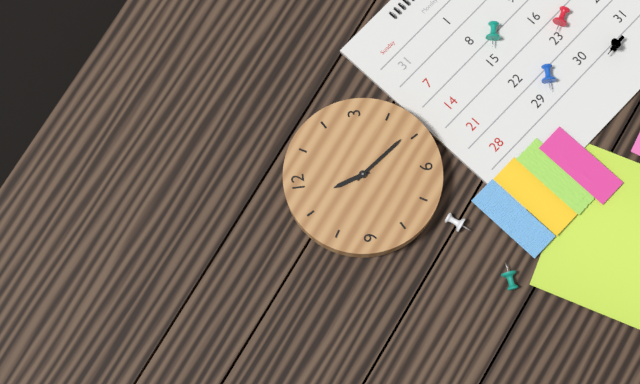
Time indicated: 11:24
